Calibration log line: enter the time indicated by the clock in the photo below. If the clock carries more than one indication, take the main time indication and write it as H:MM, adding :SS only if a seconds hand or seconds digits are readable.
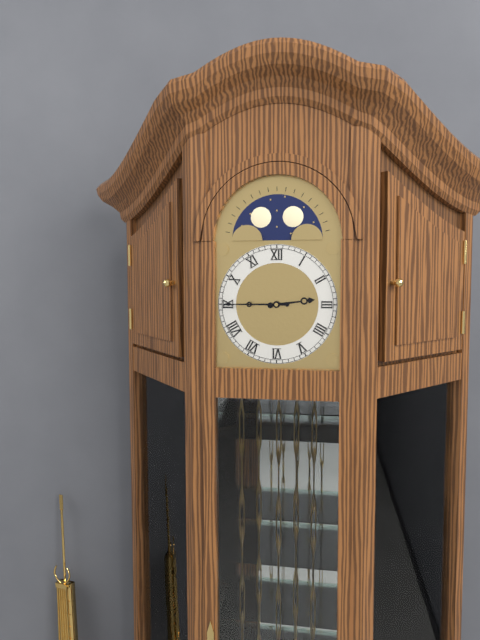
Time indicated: 2:45
